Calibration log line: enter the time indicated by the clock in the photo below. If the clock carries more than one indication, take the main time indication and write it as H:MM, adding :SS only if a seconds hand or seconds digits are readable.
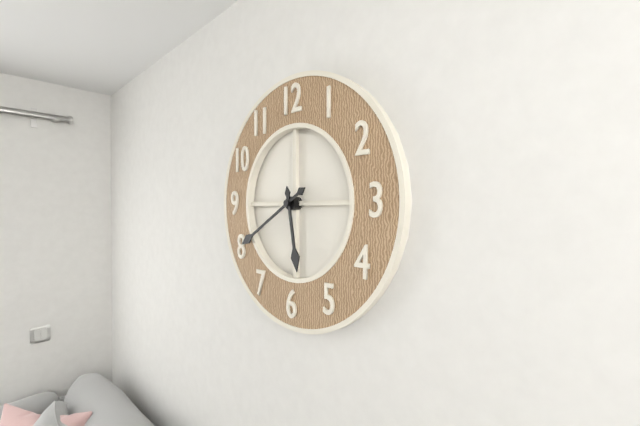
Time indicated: 5:40
